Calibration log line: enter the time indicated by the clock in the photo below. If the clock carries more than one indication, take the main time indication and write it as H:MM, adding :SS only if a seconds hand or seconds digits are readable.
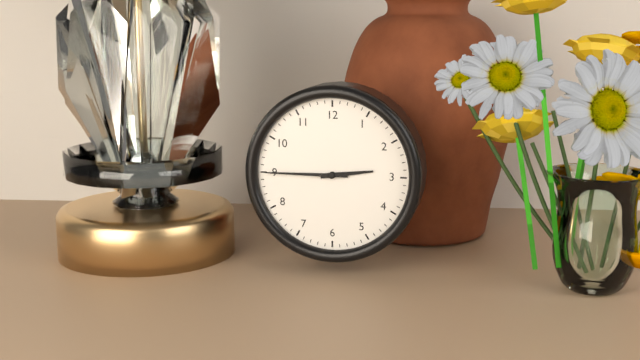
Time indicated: 2:45
